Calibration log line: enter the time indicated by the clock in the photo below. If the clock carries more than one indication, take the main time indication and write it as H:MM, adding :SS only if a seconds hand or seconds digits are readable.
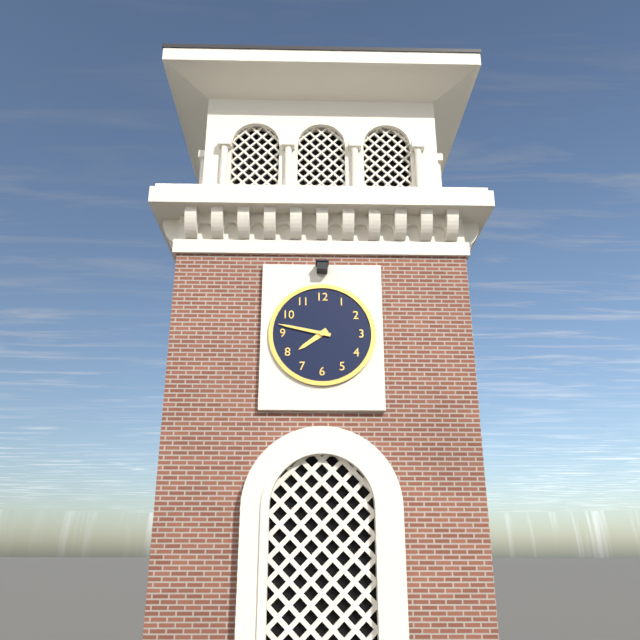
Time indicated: 7:47
